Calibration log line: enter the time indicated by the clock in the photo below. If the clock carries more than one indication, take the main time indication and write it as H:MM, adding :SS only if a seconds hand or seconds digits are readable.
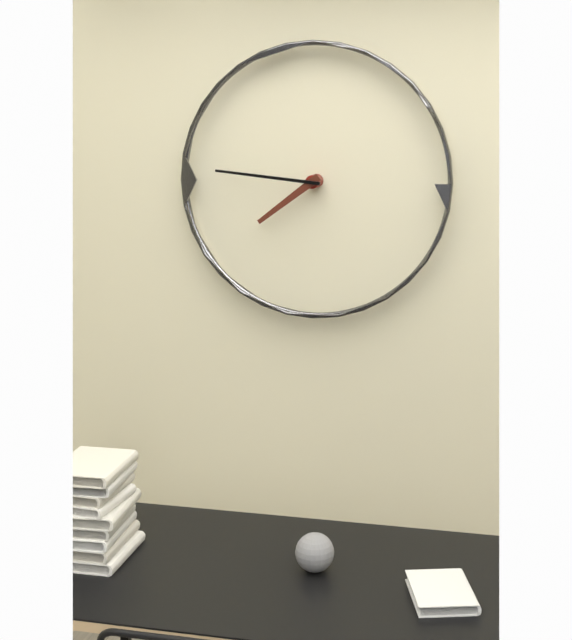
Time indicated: 7:46
